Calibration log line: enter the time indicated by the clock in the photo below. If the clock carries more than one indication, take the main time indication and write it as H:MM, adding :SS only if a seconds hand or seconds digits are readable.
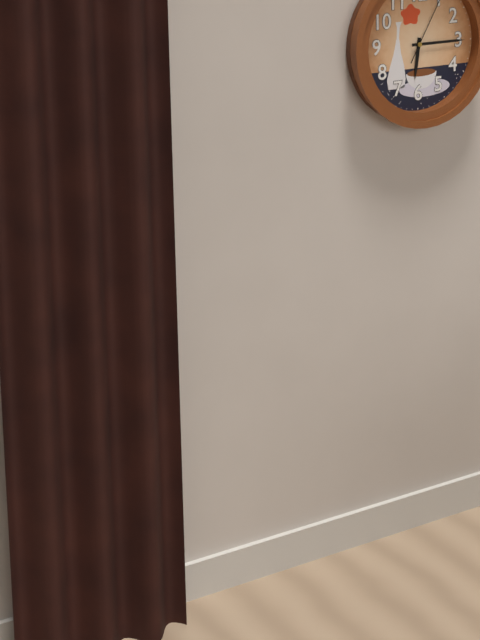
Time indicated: 6:15
